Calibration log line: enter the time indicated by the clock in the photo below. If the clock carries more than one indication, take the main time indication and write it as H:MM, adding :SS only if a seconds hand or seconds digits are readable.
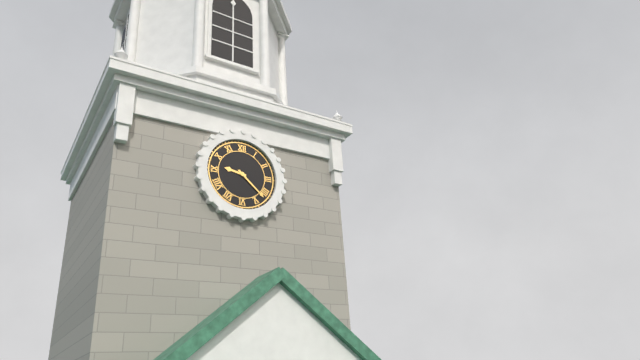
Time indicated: 9:22
